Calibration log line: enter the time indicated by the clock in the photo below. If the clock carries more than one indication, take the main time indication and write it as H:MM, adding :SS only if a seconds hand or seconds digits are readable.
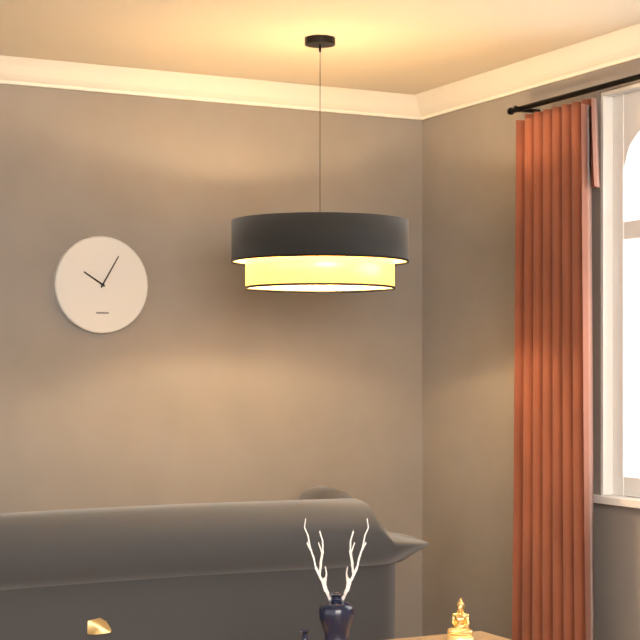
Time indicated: 10:05
